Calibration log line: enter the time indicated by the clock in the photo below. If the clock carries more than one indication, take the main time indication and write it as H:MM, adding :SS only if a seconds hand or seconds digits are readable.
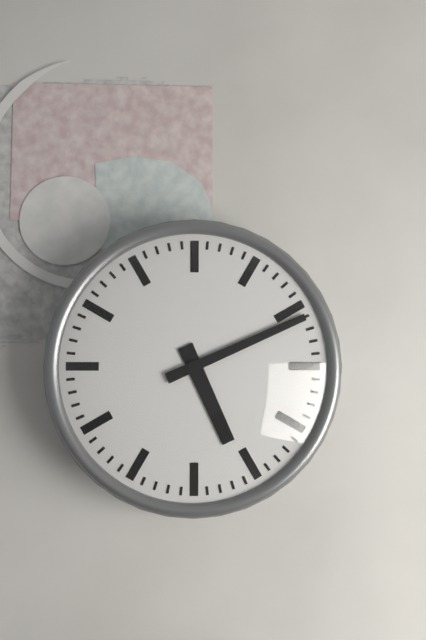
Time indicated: 5:11
